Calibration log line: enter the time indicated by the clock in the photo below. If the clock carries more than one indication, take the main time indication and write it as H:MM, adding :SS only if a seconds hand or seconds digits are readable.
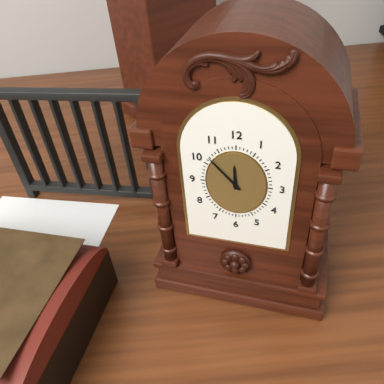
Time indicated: 11:53
